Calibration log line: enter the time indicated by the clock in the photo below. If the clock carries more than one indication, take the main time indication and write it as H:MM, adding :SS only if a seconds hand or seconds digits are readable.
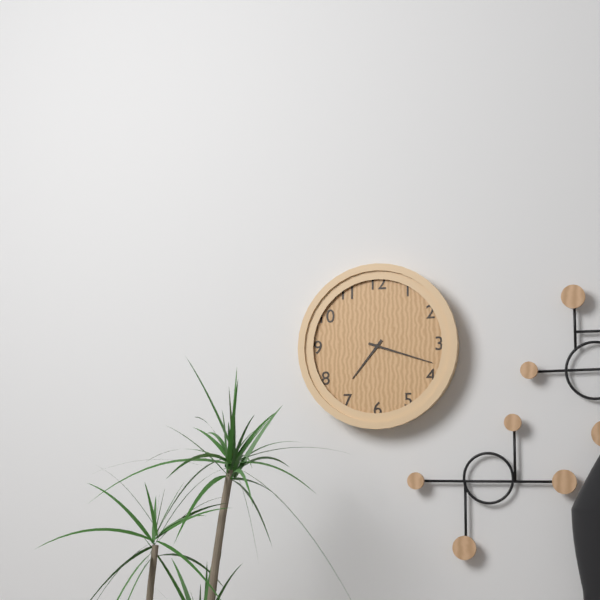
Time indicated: 7:18
